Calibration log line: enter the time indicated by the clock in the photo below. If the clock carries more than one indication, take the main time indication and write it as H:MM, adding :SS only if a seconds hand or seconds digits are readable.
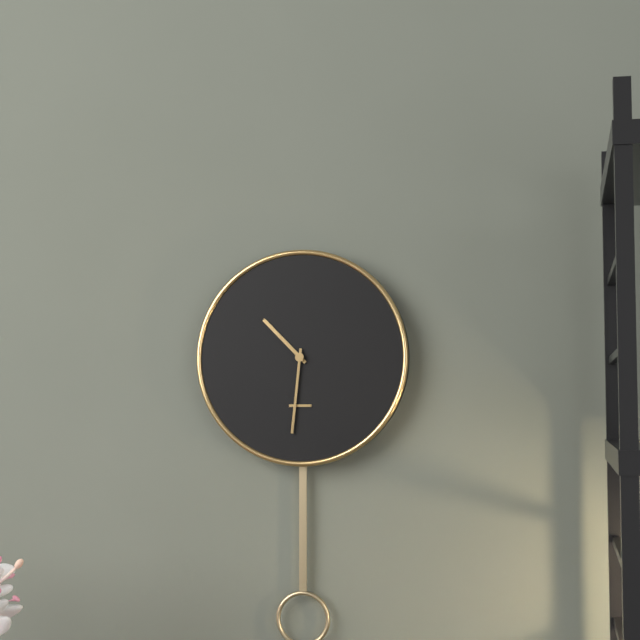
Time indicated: 10:31
